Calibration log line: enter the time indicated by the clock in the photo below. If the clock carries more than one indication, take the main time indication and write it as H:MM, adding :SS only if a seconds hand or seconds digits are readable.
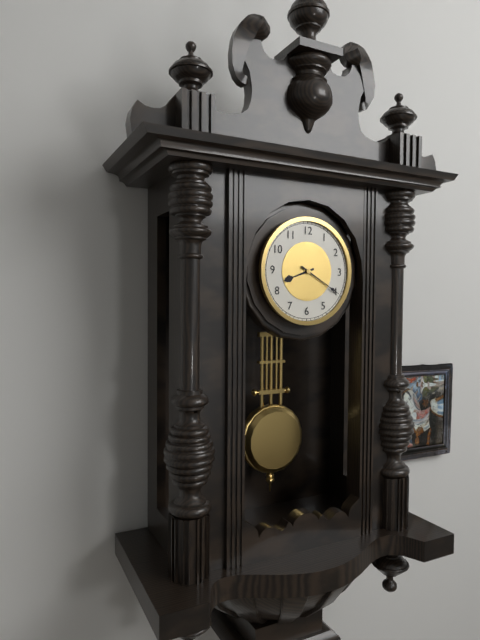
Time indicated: 8:20
